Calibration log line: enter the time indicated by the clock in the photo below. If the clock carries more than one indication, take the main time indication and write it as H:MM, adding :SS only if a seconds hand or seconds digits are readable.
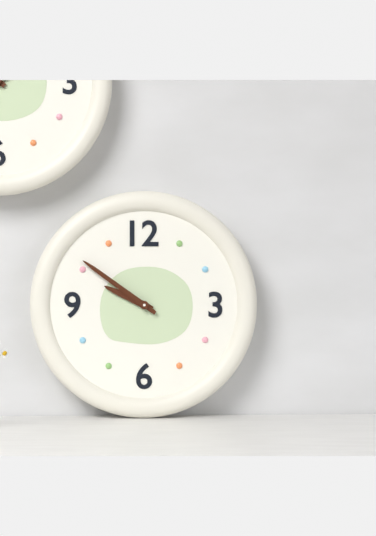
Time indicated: 9:51
